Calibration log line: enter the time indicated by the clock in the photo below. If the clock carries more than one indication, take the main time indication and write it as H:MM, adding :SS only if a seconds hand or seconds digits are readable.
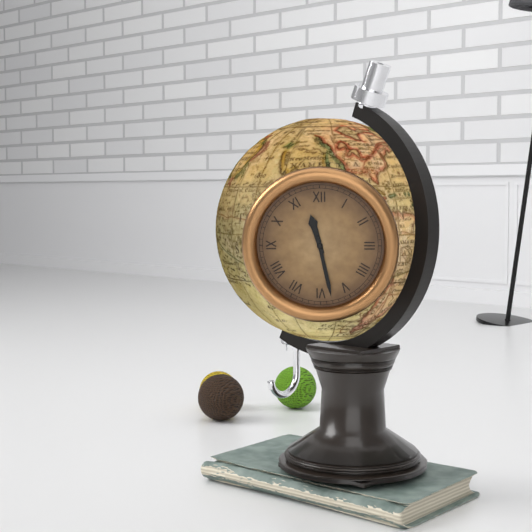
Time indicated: 11:28
